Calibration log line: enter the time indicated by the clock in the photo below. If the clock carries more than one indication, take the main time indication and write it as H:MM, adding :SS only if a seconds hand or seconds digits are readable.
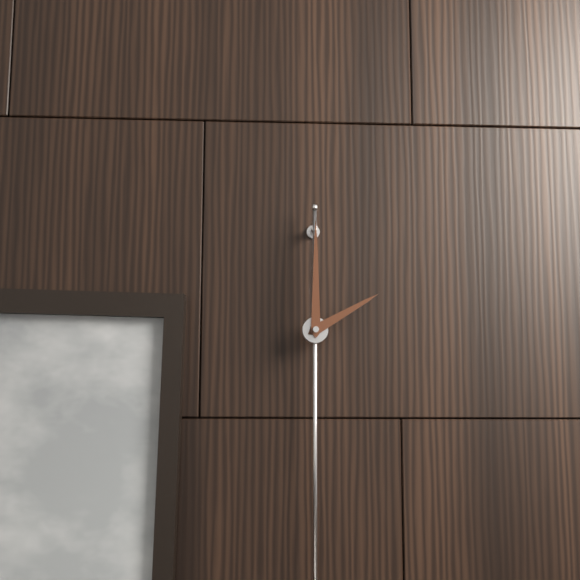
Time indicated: 2:00
